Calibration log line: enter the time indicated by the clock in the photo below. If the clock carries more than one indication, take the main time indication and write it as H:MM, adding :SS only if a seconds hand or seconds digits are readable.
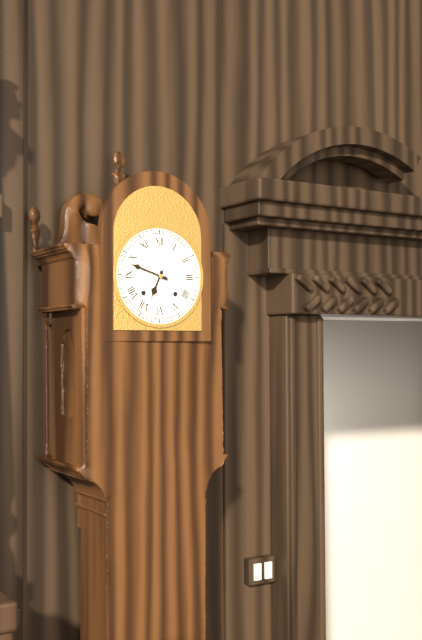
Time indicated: 6:48
